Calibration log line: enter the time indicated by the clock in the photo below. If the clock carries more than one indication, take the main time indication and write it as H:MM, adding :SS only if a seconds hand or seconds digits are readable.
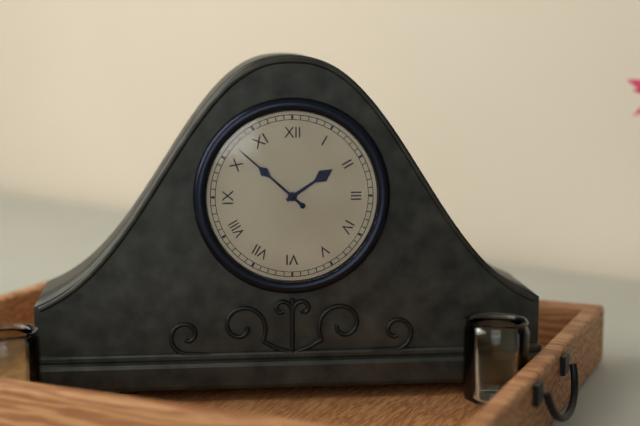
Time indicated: 1:52
